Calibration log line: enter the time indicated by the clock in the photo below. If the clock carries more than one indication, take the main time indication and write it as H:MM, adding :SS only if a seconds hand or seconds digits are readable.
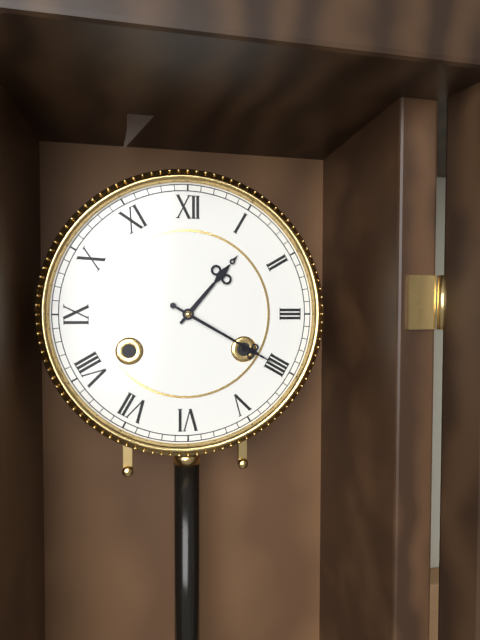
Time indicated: 1:20
